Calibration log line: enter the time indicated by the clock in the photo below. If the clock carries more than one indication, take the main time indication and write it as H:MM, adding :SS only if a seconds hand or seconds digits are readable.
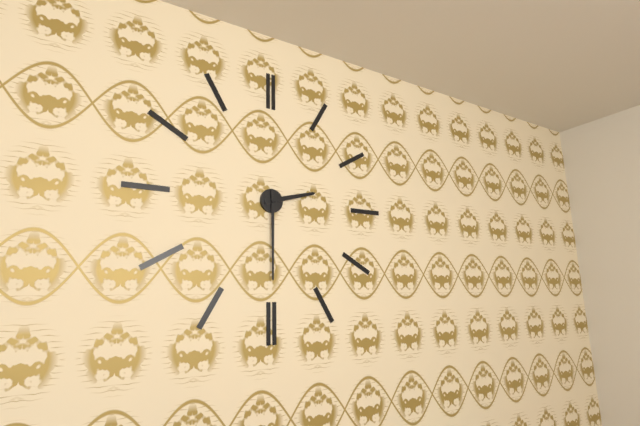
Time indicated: 2:30
